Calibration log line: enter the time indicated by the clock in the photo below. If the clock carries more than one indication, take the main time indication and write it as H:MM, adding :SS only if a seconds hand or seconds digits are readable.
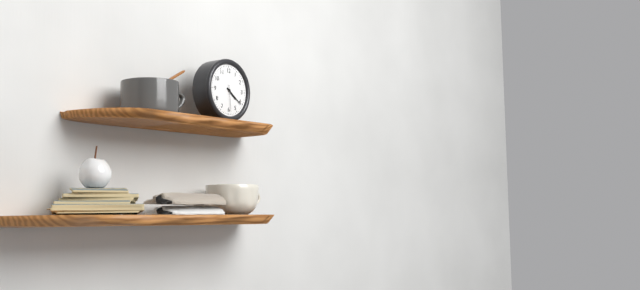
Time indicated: 4:21
